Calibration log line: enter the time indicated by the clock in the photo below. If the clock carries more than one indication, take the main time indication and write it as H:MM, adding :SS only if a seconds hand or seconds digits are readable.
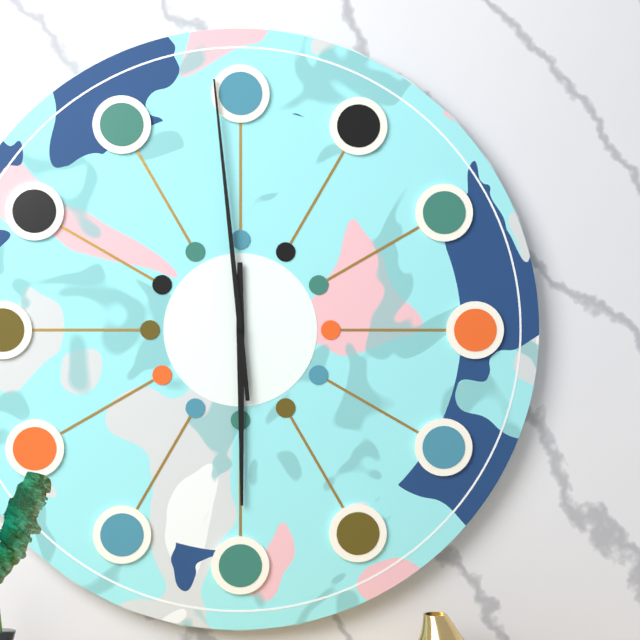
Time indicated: 5:59
